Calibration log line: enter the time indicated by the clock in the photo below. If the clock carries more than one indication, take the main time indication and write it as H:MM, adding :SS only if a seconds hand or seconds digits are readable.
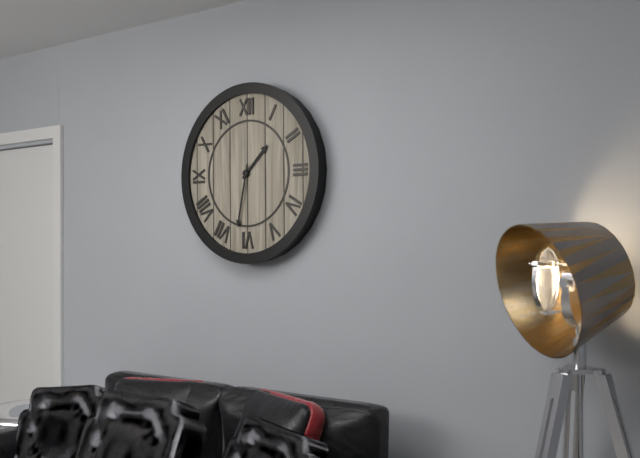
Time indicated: 1:32
